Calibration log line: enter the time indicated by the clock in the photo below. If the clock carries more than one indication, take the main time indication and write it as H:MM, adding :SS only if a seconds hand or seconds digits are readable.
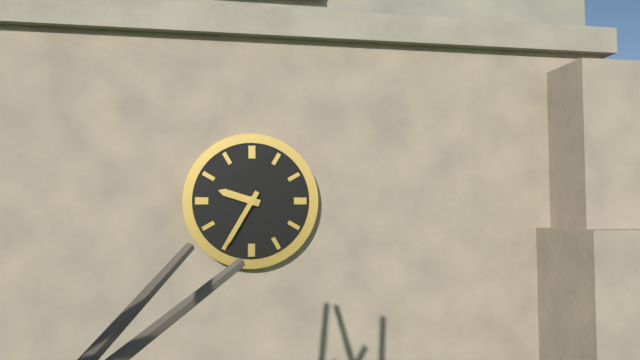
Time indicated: 9:35
